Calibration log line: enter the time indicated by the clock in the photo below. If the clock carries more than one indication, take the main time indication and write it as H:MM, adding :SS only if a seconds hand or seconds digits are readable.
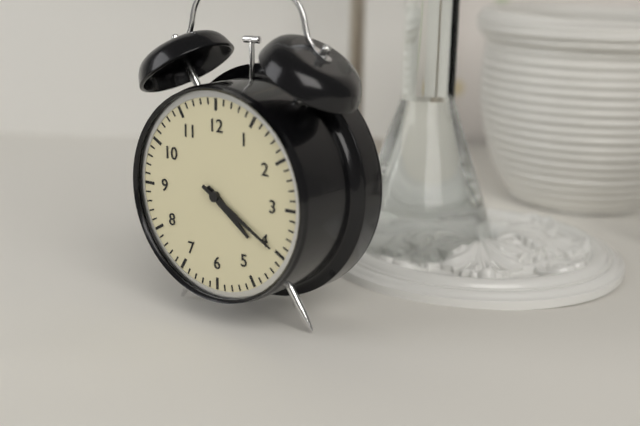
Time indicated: 4:20
